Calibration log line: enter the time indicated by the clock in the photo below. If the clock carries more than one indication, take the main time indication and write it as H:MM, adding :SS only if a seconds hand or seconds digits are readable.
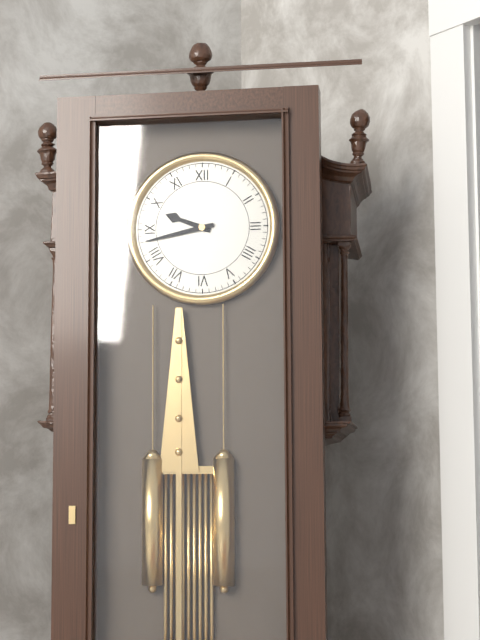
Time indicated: 9:43
